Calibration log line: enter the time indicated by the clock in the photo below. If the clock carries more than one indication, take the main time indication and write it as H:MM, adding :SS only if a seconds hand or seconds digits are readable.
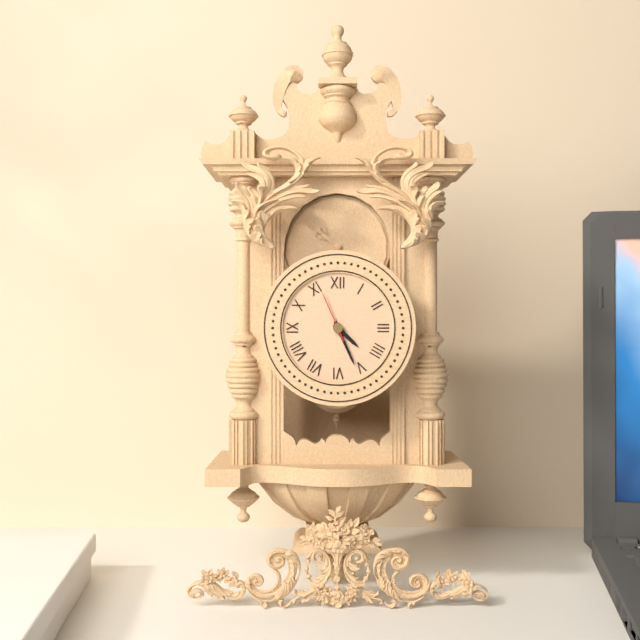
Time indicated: 4:26
